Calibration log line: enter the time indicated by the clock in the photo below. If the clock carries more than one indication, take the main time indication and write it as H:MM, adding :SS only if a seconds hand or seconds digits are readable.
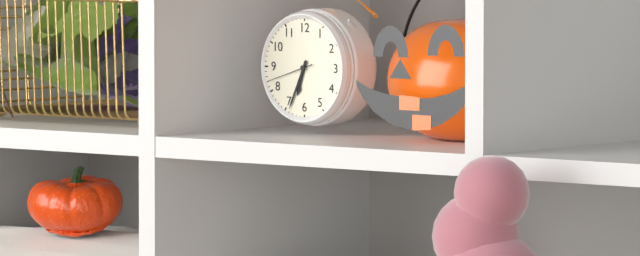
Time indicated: 6:34
